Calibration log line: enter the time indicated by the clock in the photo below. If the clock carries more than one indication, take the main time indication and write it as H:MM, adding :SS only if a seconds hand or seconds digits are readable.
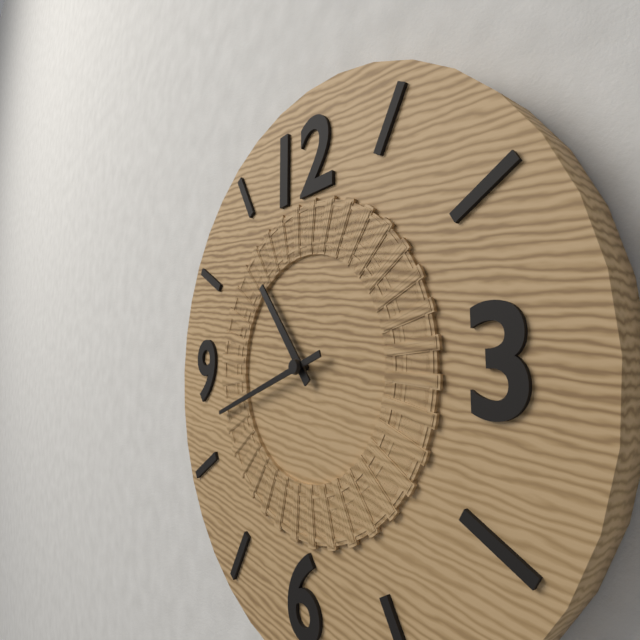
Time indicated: 10:42
